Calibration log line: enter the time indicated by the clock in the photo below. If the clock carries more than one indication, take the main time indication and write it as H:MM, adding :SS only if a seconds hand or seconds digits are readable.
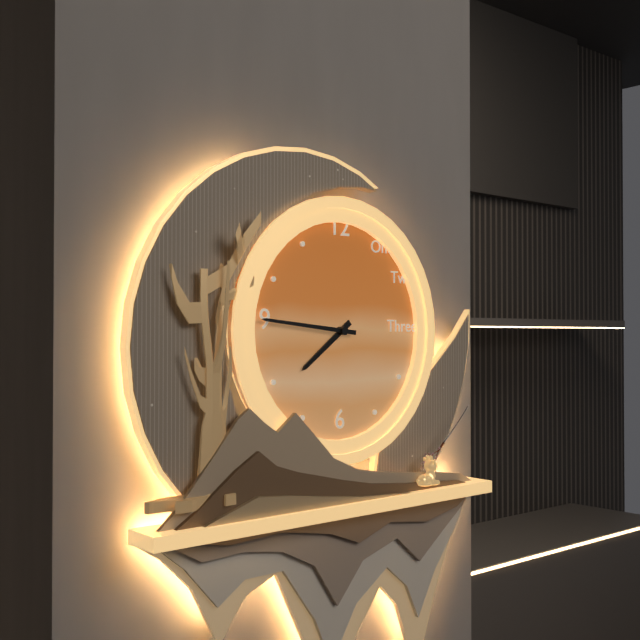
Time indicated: 7:46
